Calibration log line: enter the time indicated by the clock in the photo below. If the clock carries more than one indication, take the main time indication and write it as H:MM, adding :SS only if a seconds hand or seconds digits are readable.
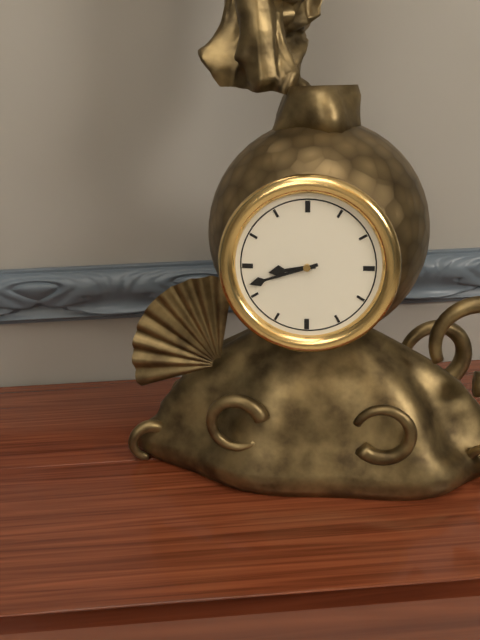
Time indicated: 8:42
